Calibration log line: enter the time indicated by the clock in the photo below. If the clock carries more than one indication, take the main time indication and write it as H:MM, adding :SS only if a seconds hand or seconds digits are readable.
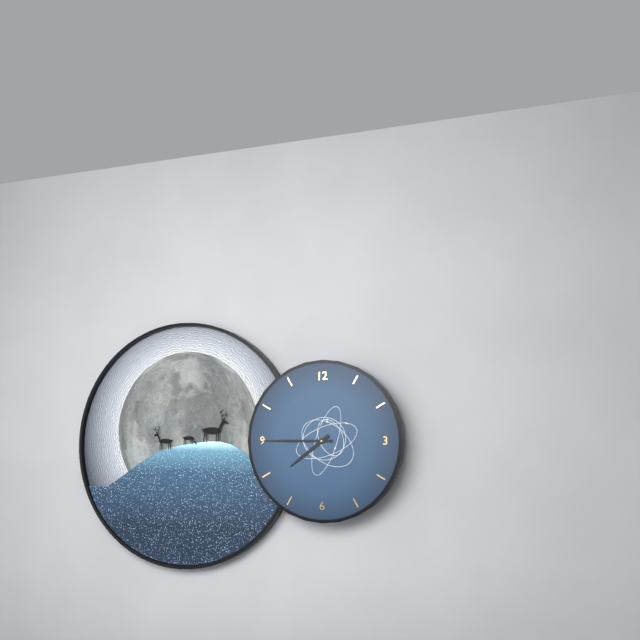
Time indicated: 7:45
